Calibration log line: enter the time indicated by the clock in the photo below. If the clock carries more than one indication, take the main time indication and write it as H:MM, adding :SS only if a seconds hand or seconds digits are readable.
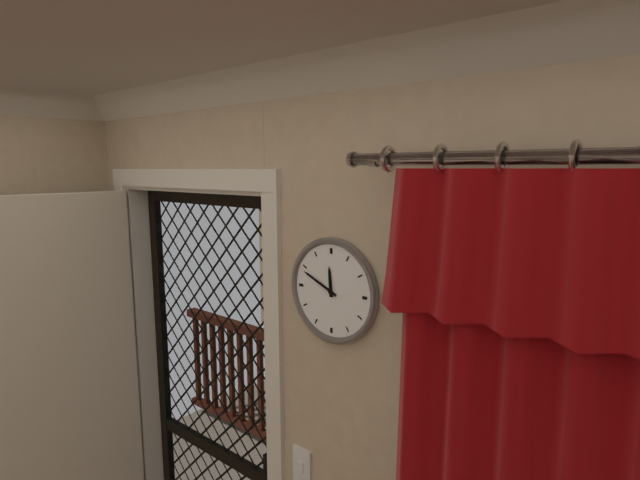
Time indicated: 11:49
